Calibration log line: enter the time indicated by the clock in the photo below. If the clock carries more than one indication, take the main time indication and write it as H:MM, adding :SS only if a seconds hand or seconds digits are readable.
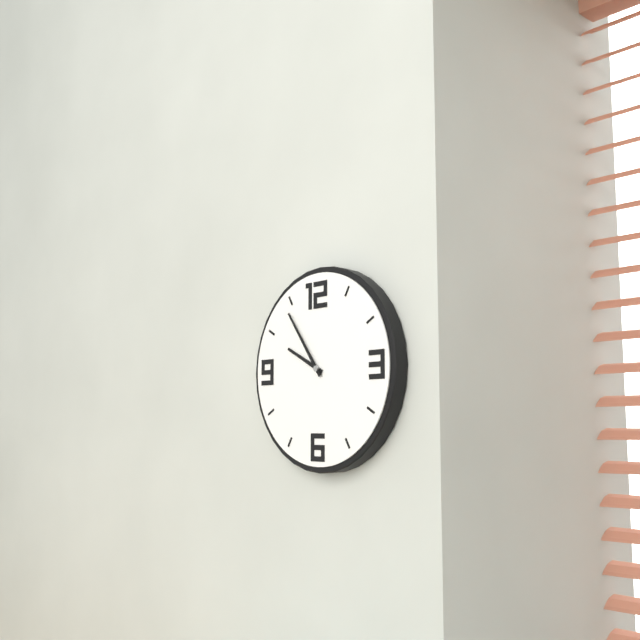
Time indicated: 9:54
